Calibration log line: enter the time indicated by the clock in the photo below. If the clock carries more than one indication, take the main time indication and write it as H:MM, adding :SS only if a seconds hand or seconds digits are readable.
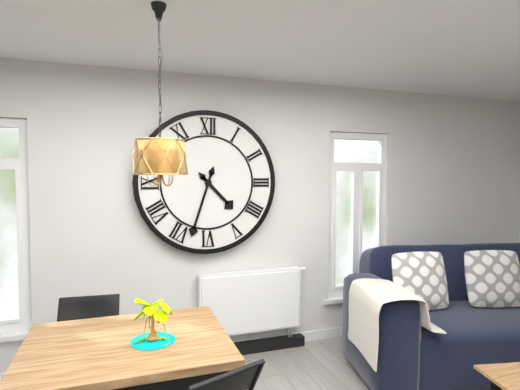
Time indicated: 4:33
